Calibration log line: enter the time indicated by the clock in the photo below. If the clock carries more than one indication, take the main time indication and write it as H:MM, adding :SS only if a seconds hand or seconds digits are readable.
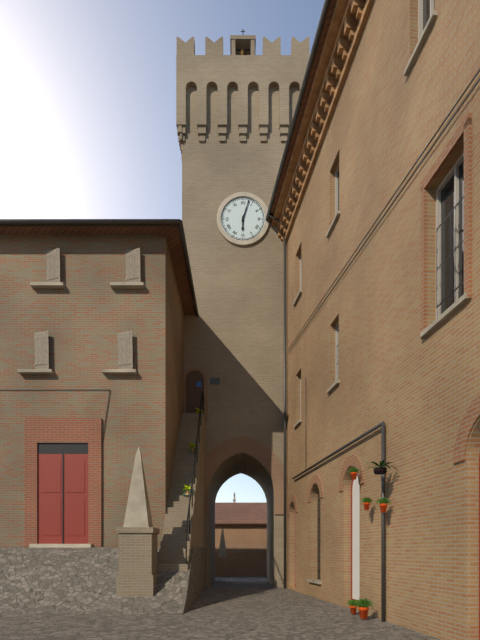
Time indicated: 6:03
